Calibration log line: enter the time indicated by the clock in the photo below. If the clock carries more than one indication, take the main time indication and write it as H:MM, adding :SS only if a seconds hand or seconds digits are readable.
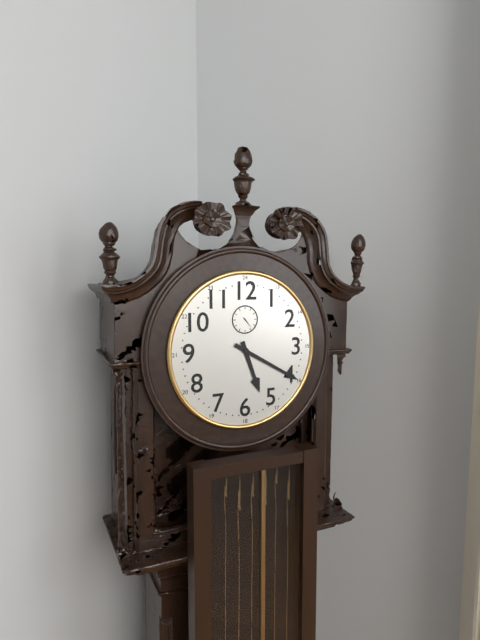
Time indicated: 5:20
